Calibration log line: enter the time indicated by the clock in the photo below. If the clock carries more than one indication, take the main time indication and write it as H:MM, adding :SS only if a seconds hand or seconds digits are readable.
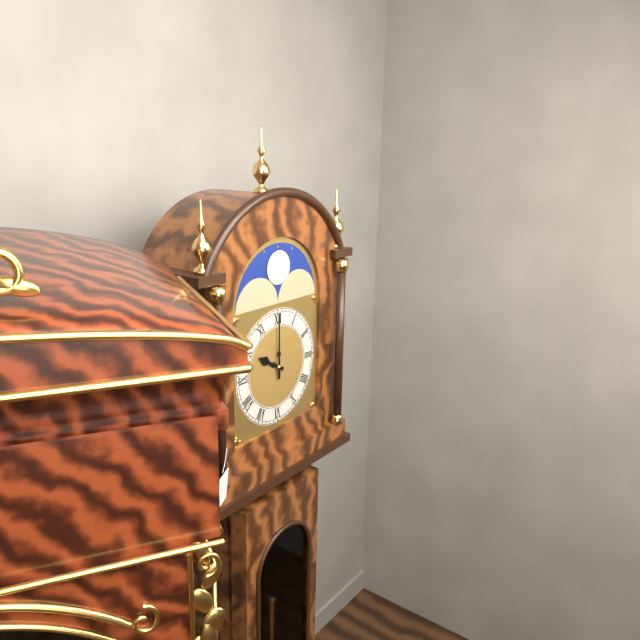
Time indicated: 10:00
